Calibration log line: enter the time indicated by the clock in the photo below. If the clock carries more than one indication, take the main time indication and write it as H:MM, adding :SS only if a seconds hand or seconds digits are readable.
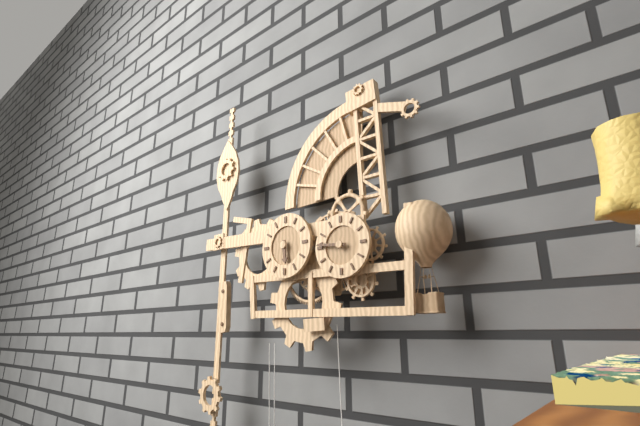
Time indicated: 5:46
